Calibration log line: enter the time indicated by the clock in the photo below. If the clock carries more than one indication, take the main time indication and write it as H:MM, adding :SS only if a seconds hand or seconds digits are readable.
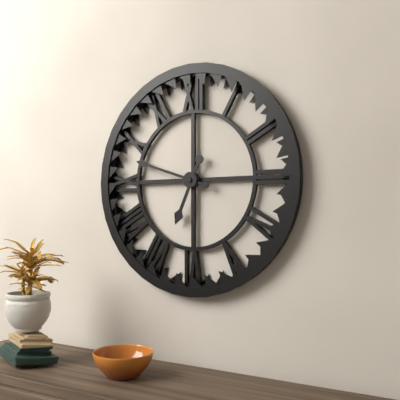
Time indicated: 6:48
